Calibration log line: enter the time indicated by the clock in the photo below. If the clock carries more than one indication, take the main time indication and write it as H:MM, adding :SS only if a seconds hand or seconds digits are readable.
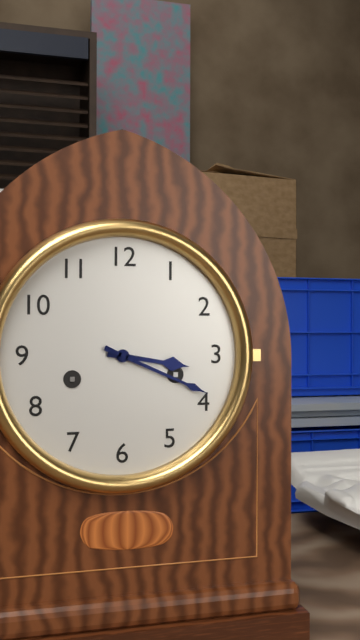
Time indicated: 3:19
